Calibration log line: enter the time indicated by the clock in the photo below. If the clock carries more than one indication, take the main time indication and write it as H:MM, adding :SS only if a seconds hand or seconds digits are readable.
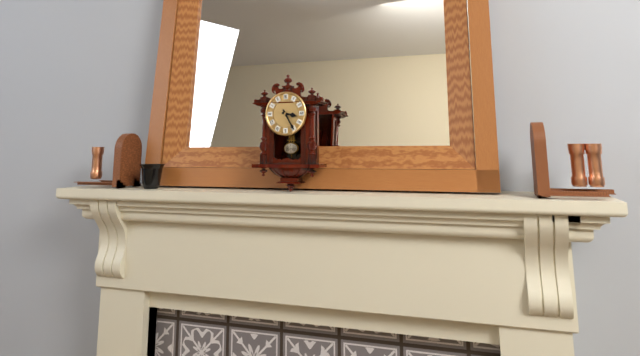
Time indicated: 3:25
